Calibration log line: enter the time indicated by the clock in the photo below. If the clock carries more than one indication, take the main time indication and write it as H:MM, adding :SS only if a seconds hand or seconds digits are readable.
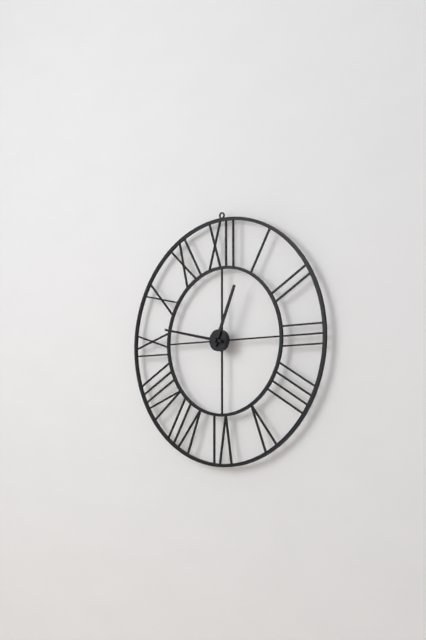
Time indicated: 12:47
